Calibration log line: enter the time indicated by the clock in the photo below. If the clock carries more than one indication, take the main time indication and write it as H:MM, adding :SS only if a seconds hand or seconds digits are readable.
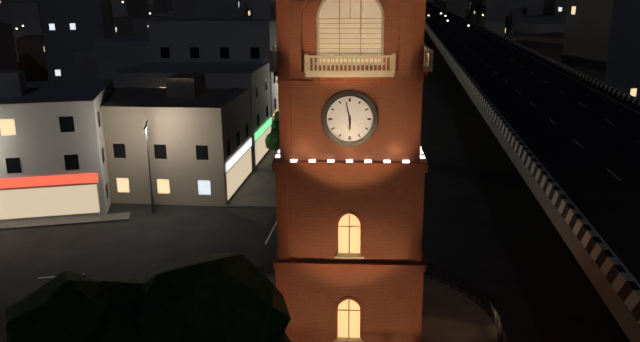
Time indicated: 5:58
